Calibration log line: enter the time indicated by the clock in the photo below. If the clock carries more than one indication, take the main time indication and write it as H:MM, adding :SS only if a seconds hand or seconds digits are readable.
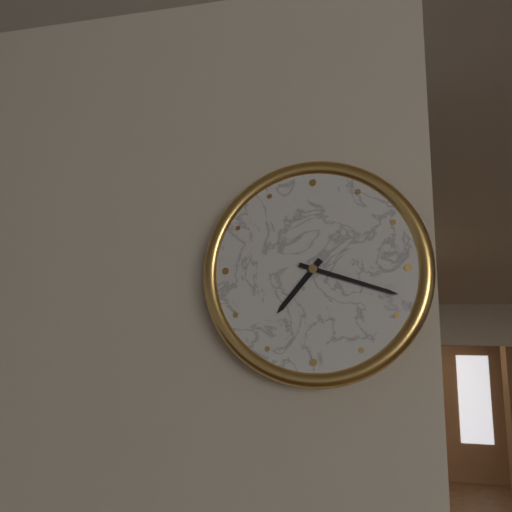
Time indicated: 7:18
